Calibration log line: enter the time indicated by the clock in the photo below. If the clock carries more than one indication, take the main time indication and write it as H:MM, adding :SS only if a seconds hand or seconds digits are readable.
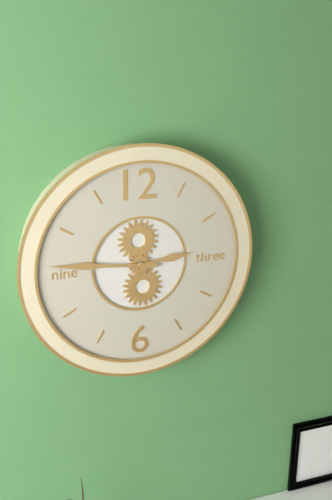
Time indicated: 2:46
